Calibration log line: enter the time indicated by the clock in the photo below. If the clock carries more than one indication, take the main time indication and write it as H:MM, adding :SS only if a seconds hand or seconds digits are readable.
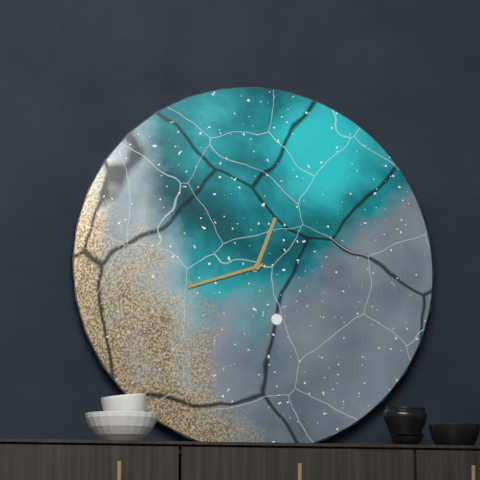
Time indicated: 12:42
